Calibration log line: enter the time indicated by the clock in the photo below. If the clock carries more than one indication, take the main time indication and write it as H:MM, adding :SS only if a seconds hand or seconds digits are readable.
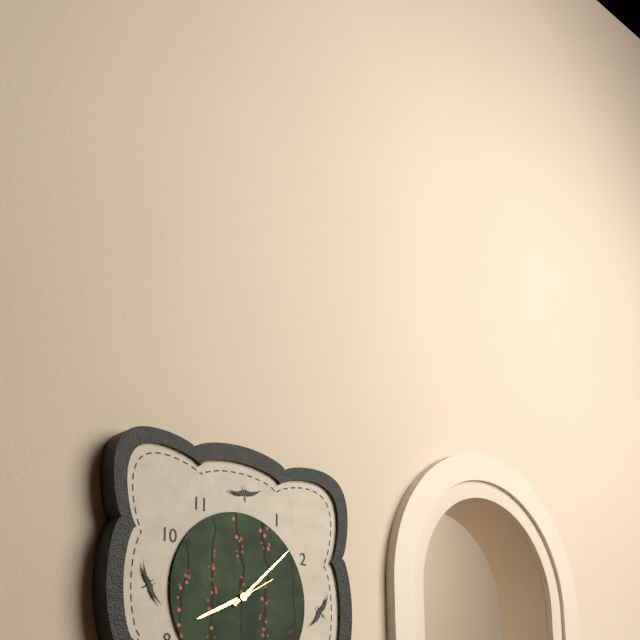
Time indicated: 8:08
